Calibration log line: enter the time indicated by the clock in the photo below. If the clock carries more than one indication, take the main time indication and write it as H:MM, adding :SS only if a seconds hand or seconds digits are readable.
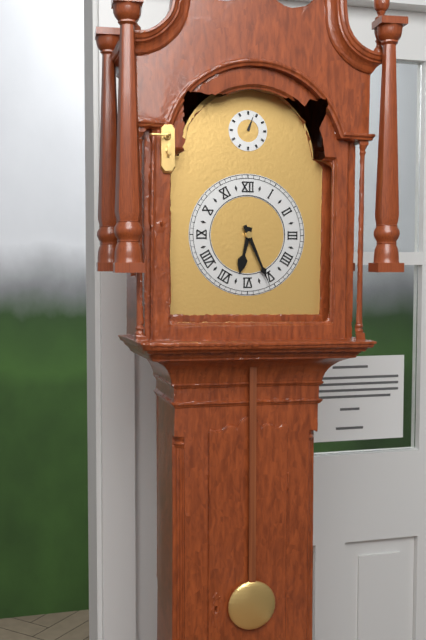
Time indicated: 6:26
